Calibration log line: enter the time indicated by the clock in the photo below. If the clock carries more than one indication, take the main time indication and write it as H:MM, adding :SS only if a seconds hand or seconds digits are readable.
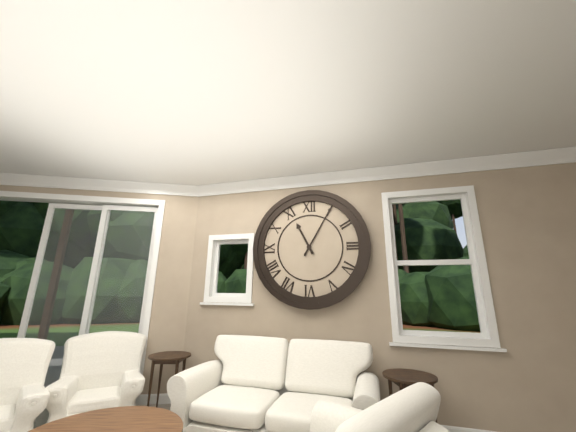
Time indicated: 11:05
